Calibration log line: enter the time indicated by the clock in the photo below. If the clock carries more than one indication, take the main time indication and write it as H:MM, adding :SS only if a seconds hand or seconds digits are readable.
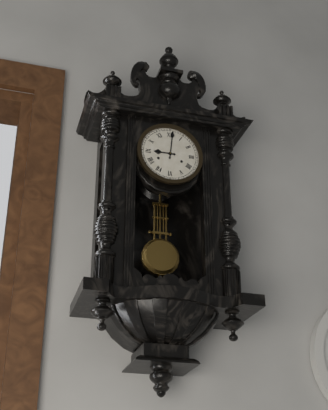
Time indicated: 9:01
